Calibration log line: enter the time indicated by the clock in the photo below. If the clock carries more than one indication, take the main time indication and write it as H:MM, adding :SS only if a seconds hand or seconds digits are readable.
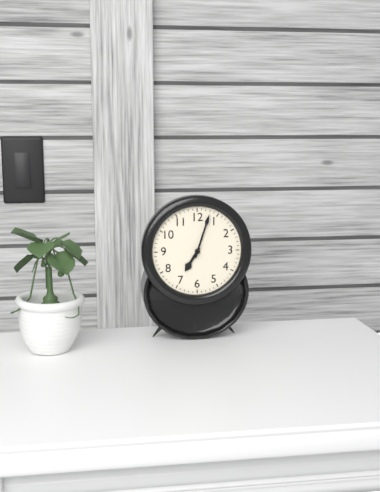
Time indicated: 7:03
